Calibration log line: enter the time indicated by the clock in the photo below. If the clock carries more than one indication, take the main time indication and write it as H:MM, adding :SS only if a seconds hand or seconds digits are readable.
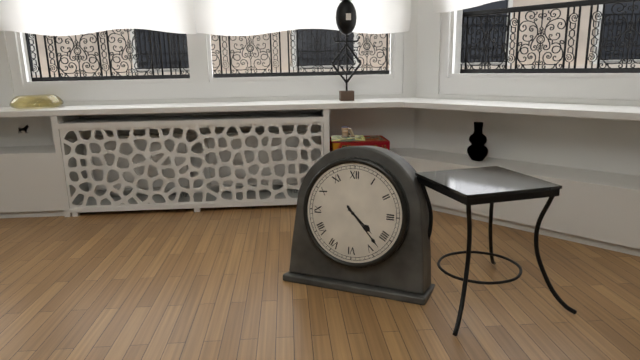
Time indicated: 4:23
